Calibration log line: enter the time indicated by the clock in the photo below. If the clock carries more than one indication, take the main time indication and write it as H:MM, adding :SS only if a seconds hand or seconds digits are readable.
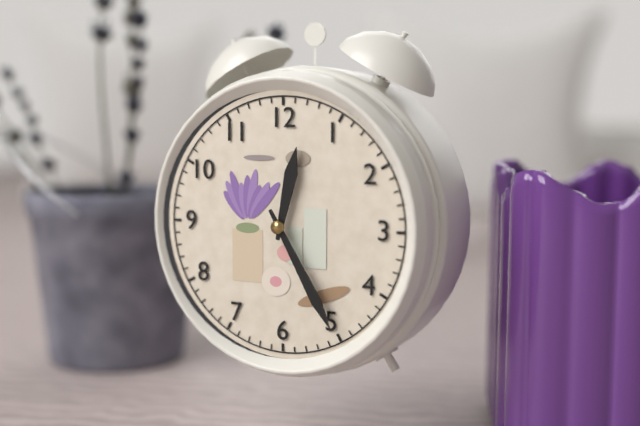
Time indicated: 12:25
